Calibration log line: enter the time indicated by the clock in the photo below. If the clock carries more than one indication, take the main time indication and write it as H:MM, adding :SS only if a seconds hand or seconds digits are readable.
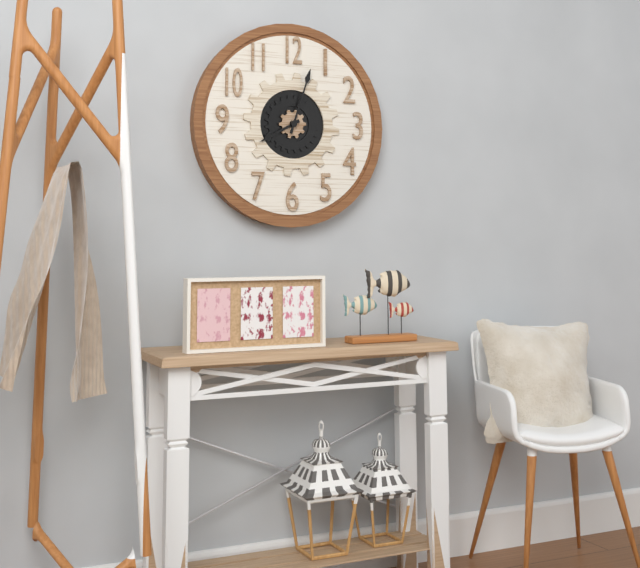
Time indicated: 8:03
